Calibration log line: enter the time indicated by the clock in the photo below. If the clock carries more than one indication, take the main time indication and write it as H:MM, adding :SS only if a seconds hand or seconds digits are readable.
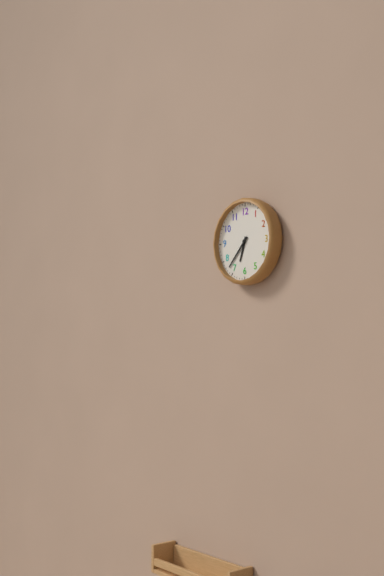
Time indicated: 6:37
